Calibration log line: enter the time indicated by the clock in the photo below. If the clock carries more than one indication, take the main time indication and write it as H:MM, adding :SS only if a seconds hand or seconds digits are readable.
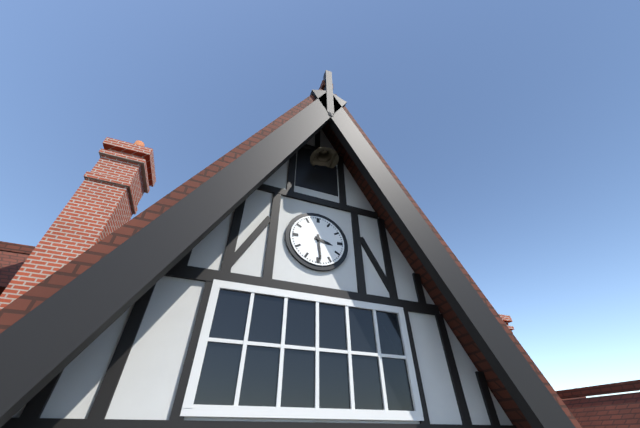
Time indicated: 3:29
